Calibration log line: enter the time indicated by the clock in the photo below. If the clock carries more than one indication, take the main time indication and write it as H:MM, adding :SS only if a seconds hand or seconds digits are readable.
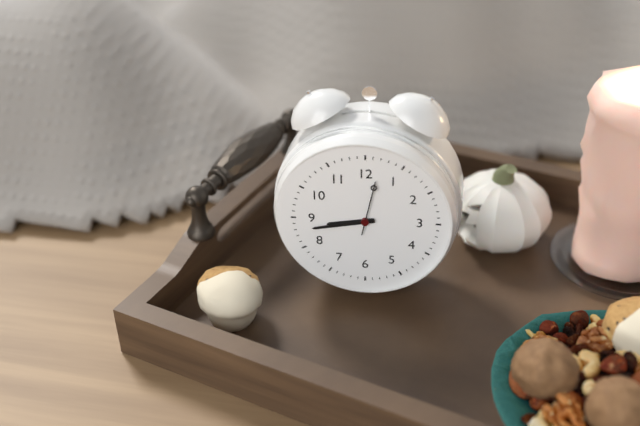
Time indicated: 8:43
